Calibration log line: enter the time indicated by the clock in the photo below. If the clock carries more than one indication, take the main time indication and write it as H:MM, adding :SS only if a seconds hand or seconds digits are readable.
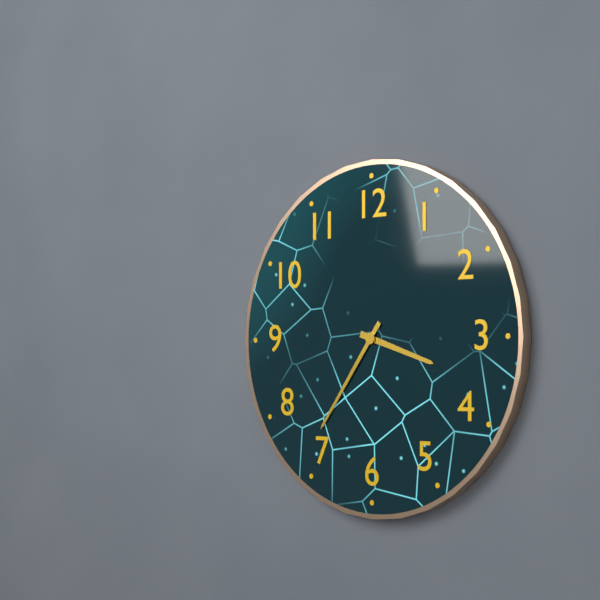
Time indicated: 3:36
